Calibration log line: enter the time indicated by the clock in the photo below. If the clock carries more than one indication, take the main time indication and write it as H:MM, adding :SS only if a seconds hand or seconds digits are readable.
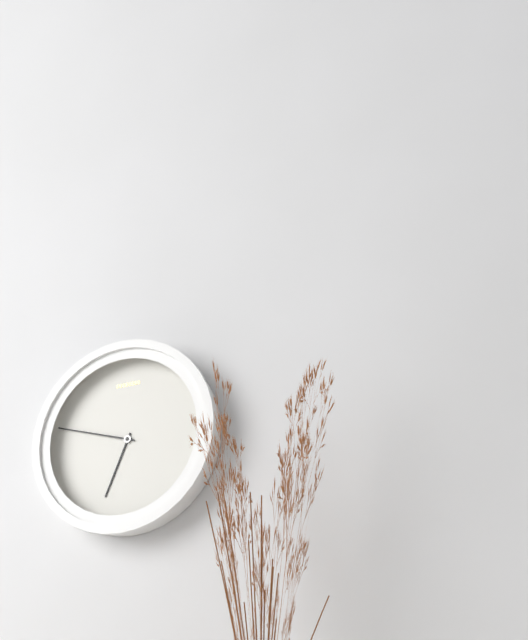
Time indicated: 6:48
